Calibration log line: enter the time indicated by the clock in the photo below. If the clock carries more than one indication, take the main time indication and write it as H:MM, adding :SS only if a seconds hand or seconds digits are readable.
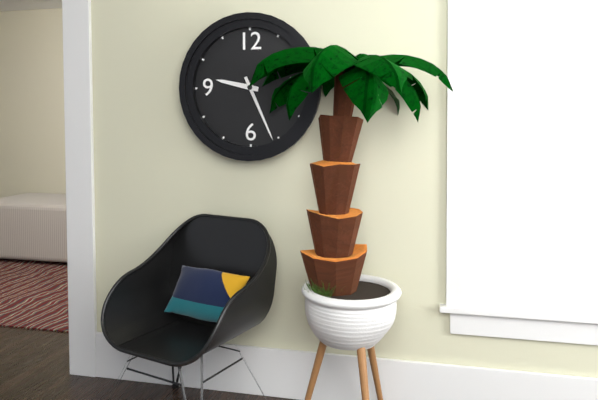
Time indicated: 9:26
